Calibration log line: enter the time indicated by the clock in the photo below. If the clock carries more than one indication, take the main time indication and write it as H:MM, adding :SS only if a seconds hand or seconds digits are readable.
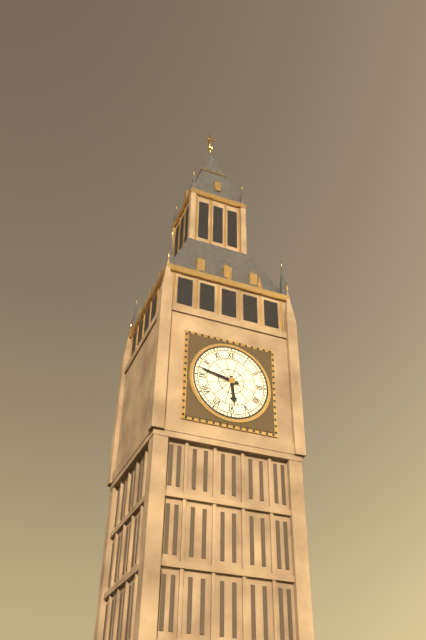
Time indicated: 5:47
